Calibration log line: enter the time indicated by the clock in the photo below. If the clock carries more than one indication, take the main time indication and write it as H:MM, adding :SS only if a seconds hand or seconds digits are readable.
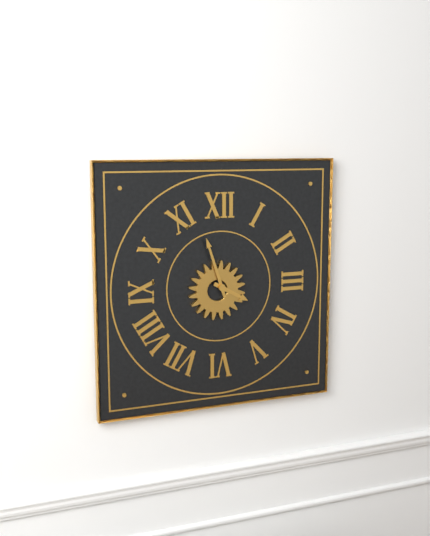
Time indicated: 3:57
